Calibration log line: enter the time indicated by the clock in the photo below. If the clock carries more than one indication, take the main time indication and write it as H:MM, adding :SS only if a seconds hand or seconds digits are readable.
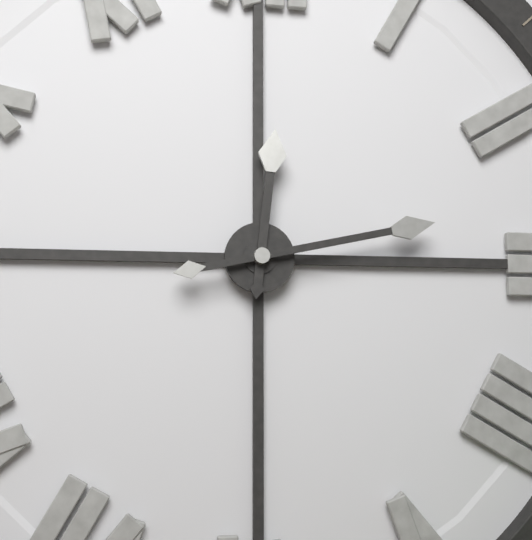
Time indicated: 12:13
